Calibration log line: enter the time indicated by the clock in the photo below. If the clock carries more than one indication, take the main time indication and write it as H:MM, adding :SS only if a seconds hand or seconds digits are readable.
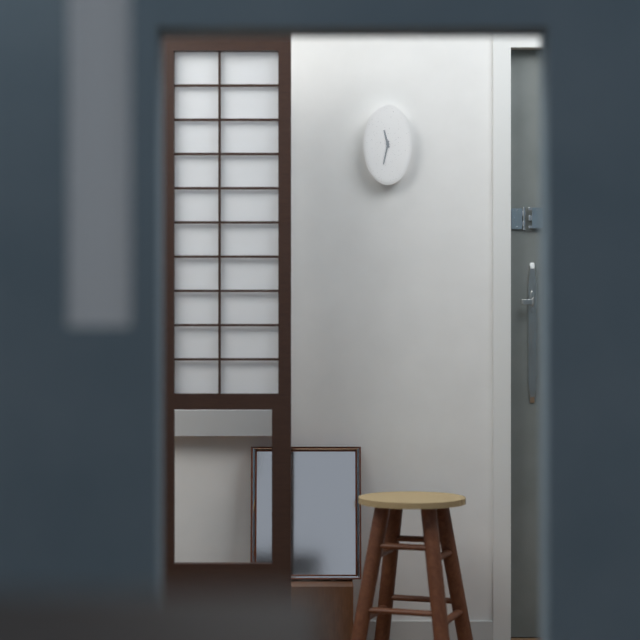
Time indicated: 11:32
